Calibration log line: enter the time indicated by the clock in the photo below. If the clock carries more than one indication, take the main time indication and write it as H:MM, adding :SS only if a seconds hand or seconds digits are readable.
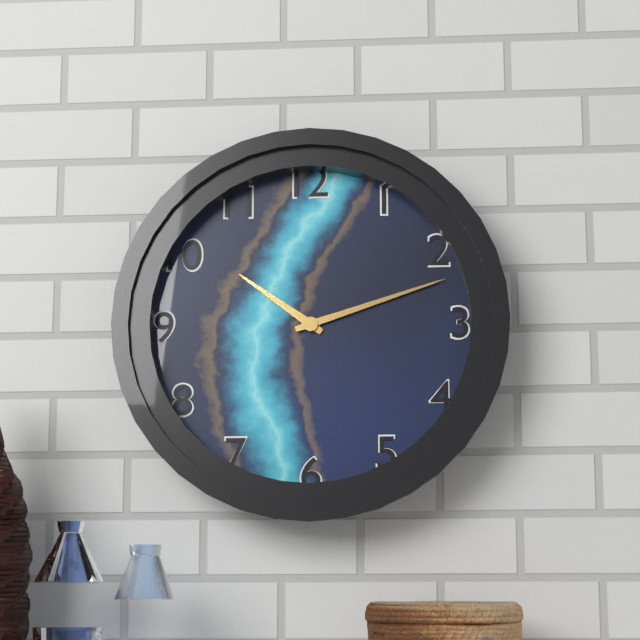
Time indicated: 10:12
